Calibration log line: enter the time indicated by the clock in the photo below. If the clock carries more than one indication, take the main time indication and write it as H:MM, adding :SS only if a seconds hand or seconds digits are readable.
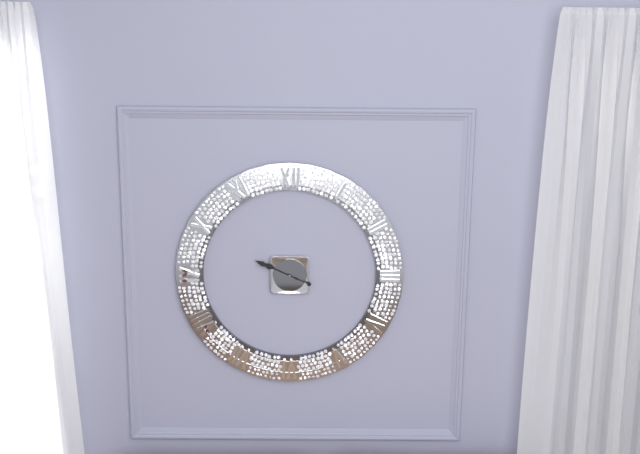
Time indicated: 9:49
